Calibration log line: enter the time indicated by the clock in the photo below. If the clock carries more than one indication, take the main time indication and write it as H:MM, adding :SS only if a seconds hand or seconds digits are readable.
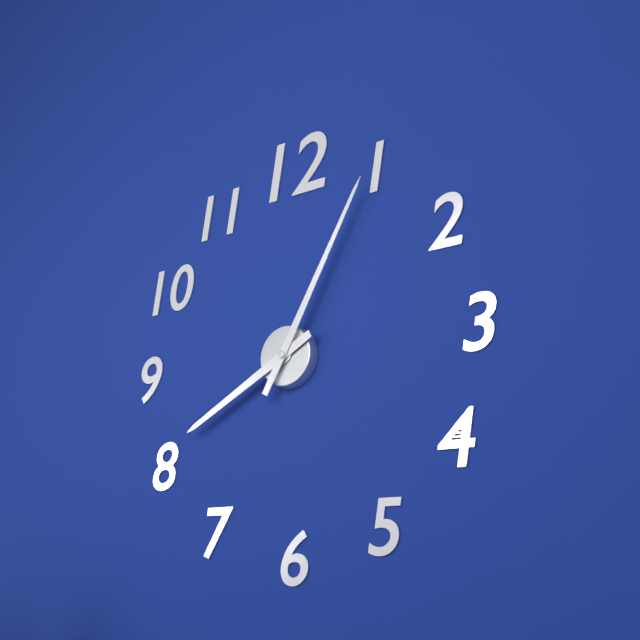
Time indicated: 8:05
